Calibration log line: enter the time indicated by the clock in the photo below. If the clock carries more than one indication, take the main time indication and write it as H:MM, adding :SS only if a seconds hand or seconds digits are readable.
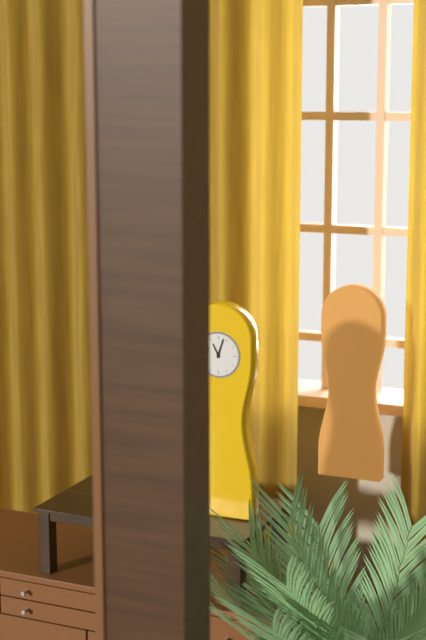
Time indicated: 11:03
